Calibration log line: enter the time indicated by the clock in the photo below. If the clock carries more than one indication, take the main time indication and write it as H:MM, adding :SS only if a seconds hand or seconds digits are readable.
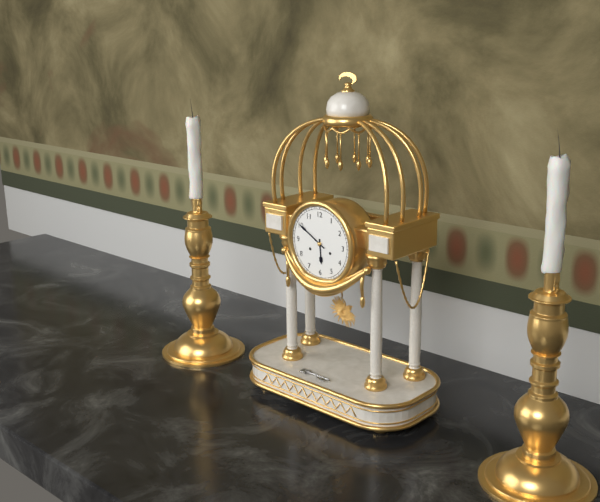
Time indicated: 5:50
